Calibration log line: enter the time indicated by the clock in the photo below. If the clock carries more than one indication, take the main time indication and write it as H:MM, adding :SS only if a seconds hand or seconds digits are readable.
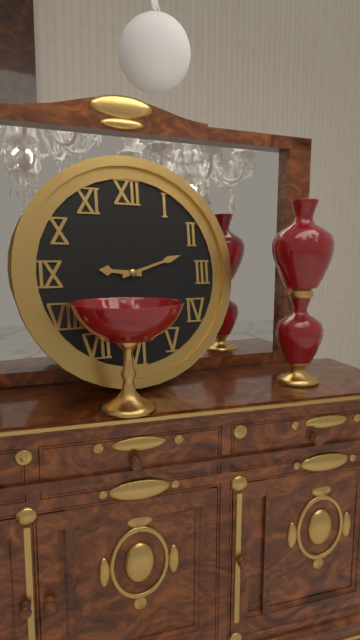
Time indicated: 9:12
